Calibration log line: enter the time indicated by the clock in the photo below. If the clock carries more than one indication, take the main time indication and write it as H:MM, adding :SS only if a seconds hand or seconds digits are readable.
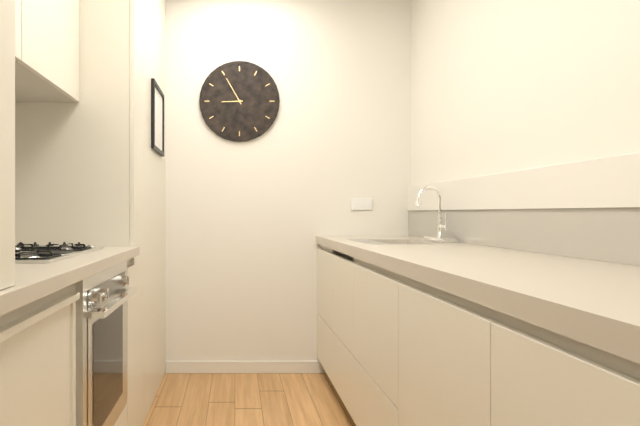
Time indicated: 8:55
